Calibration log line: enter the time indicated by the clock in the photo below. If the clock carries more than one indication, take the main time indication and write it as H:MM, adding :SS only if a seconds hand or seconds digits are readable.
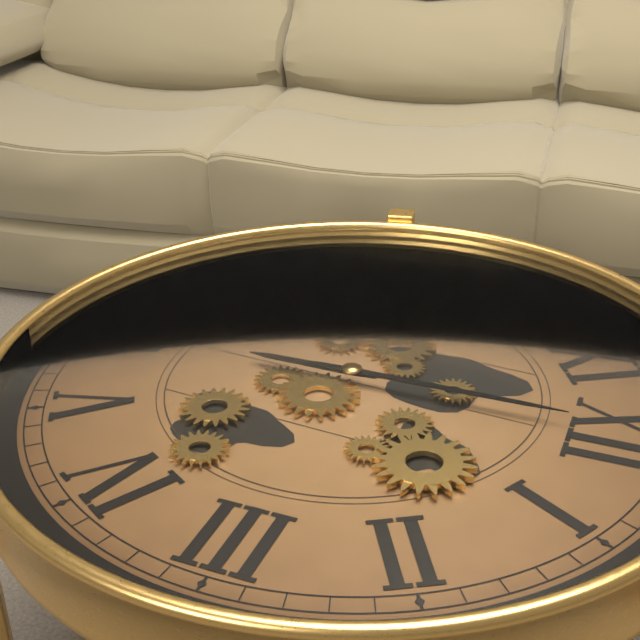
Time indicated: 6:00
